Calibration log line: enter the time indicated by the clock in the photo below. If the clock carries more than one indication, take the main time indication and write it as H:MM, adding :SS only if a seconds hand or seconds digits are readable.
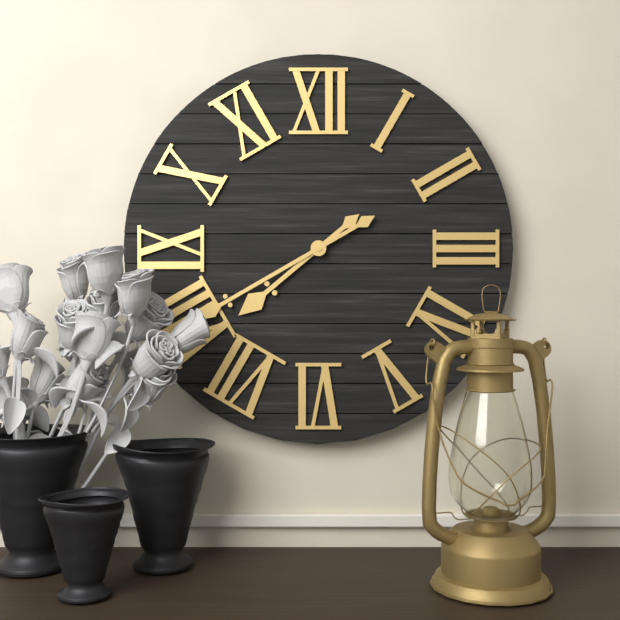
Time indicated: 7:40
